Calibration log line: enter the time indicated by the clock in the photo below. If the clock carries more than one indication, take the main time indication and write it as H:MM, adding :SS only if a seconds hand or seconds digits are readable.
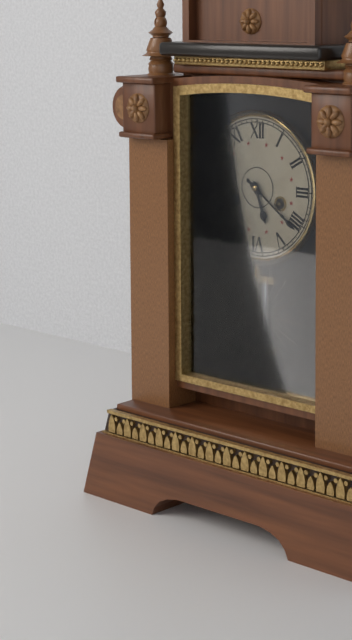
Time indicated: 5:21
